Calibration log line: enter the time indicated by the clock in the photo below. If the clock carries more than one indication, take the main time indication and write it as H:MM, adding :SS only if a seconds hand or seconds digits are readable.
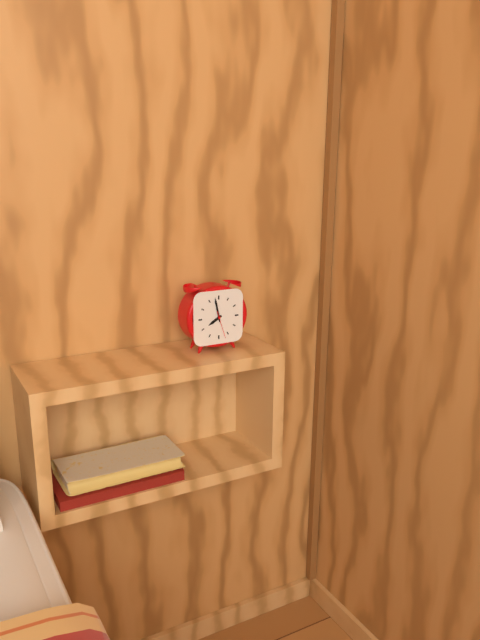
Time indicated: 7:58
